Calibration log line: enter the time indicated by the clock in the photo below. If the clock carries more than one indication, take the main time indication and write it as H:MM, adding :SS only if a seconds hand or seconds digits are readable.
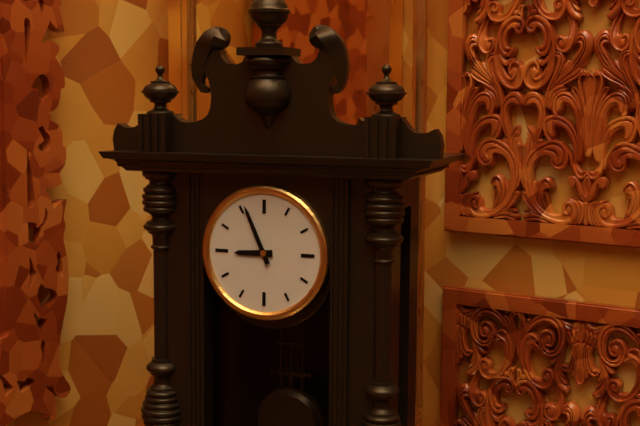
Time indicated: 8:56
